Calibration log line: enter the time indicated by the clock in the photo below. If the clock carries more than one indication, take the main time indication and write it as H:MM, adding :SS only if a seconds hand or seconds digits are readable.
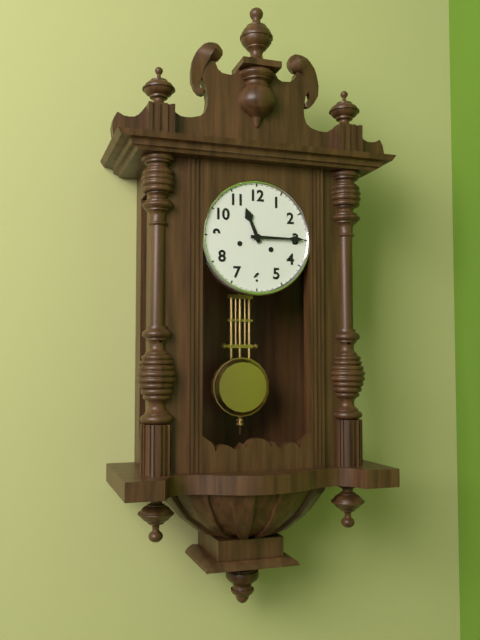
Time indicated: 11:15
